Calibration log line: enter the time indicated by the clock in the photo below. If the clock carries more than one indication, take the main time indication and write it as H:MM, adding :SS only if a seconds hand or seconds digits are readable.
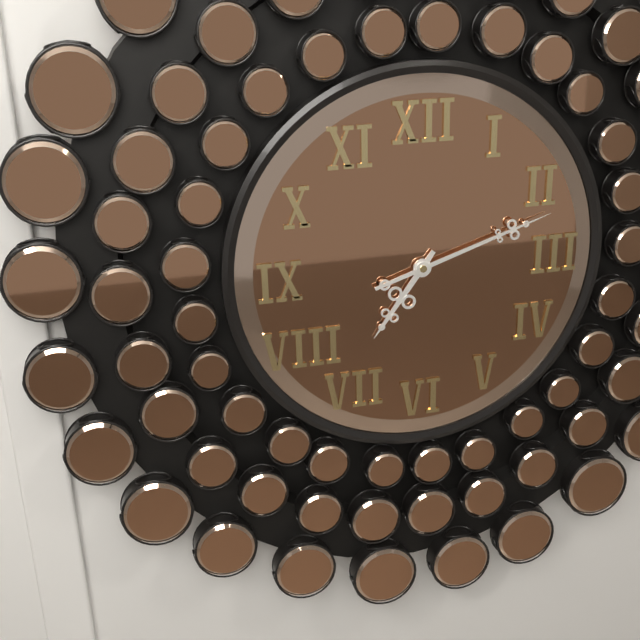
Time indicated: 7:12
